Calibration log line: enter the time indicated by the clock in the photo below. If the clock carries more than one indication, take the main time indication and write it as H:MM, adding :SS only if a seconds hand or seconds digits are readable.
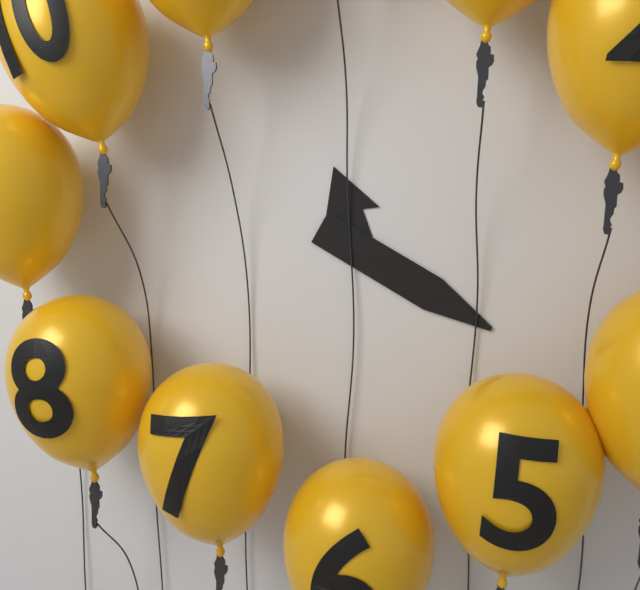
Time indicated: 11:20
